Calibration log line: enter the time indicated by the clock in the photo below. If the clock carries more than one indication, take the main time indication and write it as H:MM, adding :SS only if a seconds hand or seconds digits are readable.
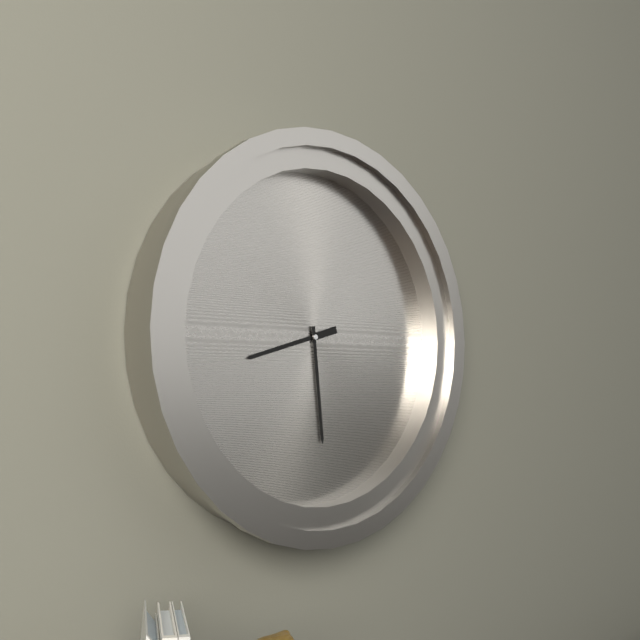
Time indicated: 8:29
